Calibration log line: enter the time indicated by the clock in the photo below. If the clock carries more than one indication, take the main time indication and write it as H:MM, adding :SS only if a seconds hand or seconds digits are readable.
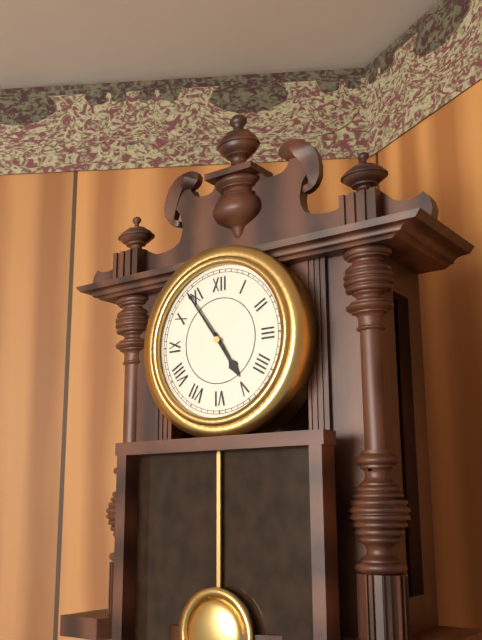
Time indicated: 4:54
